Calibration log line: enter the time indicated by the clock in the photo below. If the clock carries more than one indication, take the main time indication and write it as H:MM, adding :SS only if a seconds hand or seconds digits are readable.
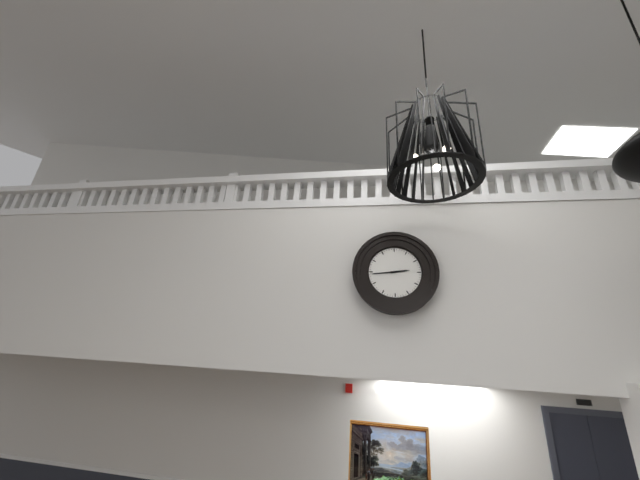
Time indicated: 2:44
